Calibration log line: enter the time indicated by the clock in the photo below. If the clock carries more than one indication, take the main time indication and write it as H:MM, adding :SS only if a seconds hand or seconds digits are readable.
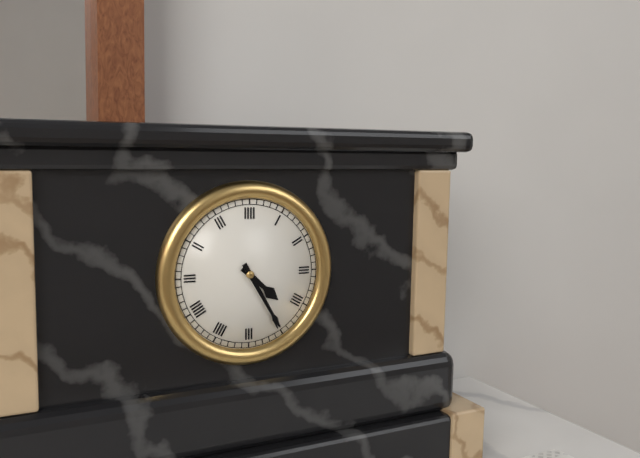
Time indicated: 4:25
